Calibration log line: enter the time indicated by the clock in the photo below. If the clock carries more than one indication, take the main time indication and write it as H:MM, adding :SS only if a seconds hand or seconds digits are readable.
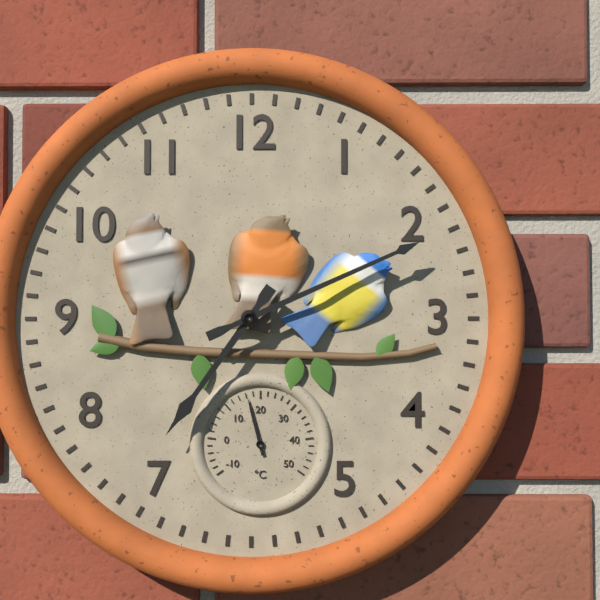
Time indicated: 7:11
